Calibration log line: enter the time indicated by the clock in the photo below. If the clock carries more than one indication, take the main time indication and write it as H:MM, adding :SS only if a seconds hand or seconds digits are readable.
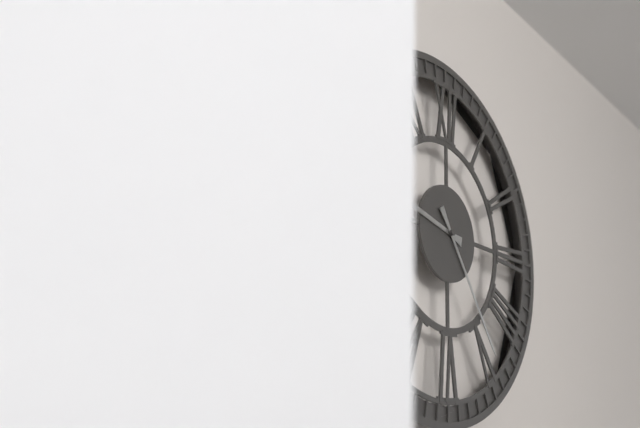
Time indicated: 9:24
